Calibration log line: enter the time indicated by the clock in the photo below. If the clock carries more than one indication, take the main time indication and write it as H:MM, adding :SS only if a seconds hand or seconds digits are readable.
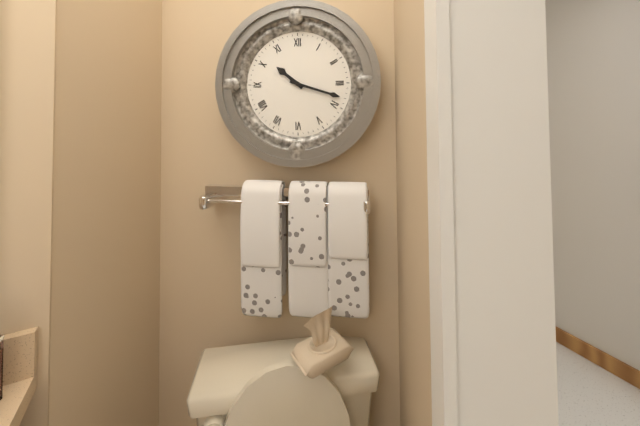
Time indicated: 10:18
